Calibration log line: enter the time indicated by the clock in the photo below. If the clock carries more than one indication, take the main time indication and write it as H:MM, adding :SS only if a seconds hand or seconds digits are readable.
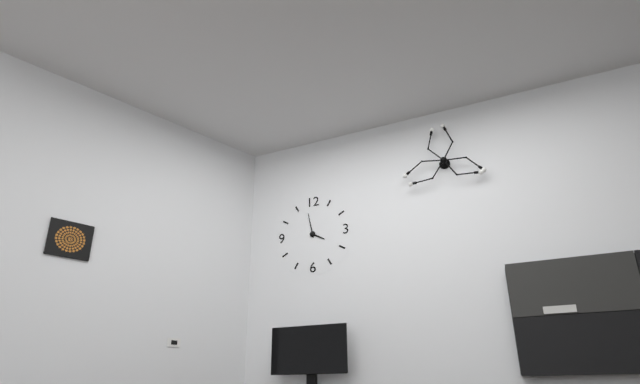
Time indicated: 3:58
